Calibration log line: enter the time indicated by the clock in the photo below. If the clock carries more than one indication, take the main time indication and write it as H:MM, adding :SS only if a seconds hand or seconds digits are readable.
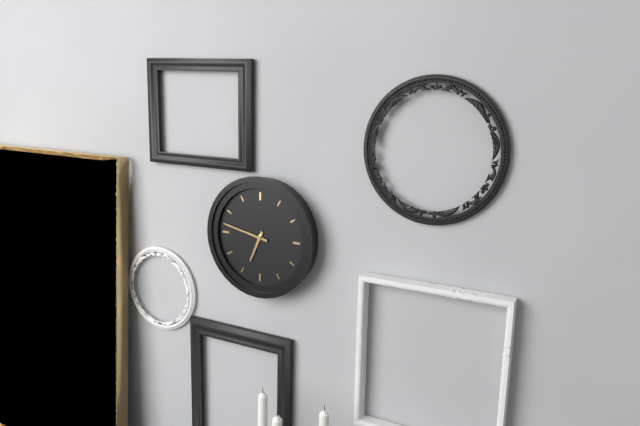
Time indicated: 6:47
